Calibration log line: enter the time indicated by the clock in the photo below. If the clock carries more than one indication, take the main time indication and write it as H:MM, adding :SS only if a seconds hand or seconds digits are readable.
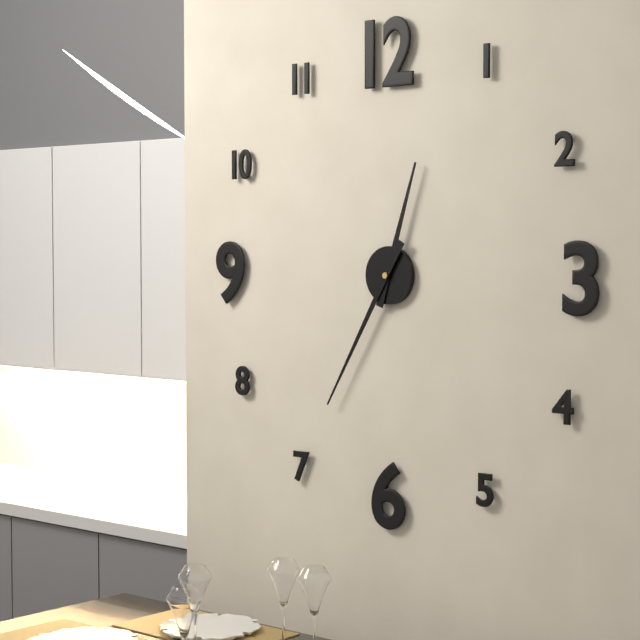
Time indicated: 12:35
